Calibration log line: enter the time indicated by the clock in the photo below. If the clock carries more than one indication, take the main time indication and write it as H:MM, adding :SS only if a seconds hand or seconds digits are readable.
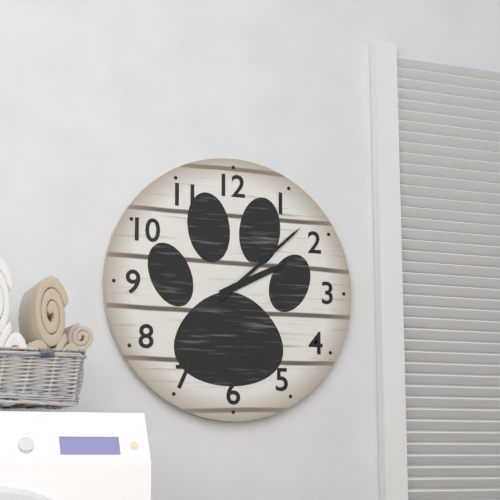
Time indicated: 2:08
